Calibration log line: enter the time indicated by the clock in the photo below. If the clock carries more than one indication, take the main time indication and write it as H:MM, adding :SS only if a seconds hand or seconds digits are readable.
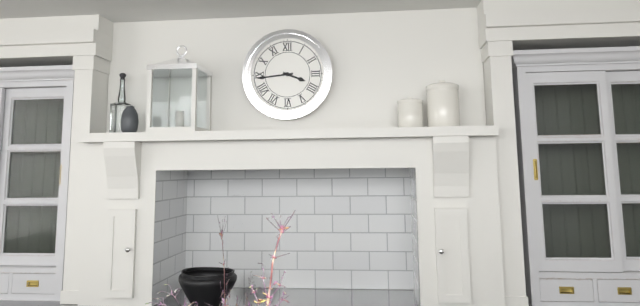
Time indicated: 3:44
